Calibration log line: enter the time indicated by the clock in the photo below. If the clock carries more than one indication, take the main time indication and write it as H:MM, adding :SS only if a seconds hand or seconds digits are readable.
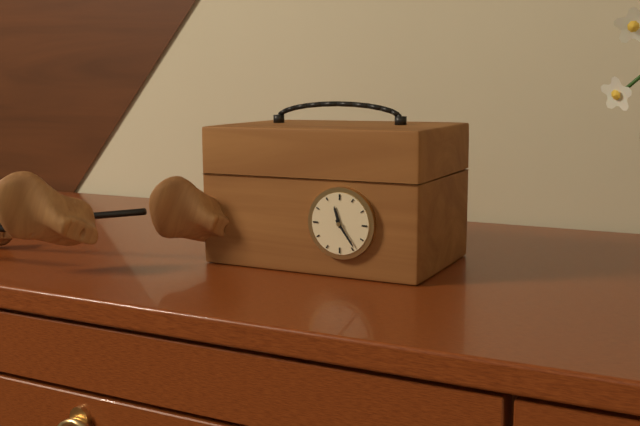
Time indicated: 11:24
